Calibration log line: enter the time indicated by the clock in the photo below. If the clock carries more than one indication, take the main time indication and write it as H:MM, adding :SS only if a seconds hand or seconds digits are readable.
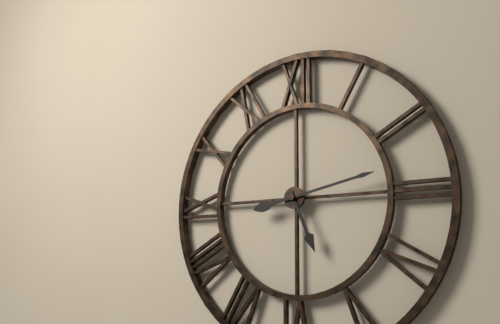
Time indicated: 5:13
